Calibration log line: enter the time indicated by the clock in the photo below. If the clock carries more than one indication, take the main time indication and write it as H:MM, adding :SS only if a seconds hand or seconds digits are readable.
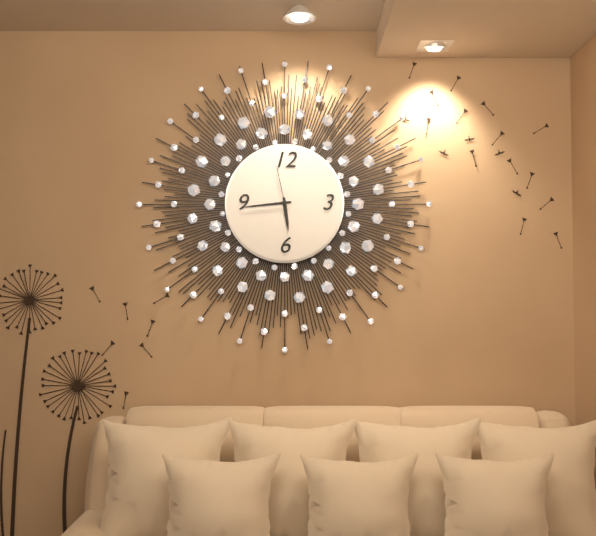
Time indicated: 5:44
